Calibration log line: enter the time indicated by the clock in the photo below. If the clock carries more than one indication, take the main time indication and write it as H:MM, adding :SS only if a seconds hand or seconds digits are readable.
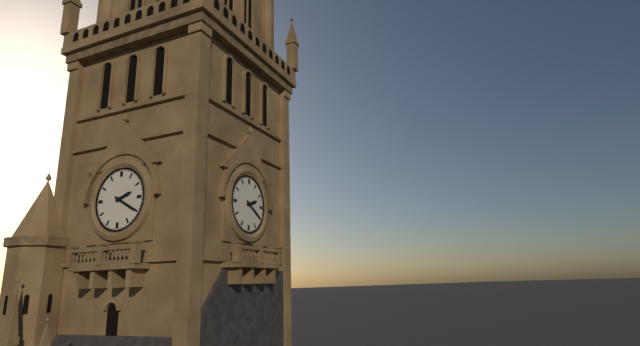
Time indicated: 2:20
